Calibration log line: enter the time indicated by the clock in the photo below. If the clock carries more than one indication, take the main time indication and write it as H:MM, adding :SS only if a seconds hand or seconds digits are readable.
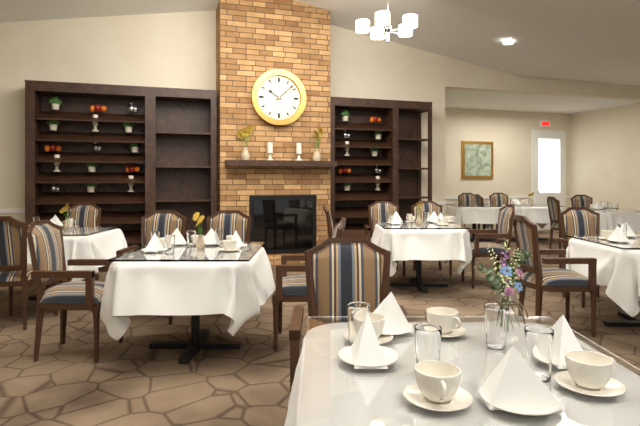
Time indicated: 10:08
